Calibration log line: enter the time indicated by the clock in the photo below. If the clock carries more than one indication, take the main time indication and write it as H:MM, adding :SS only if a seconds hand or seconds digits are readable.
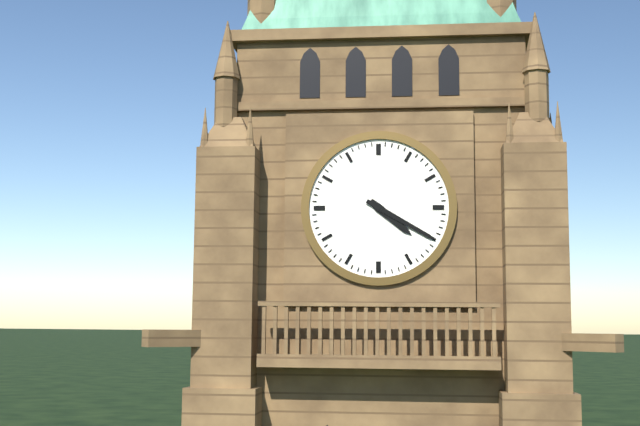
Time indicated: 4:20
